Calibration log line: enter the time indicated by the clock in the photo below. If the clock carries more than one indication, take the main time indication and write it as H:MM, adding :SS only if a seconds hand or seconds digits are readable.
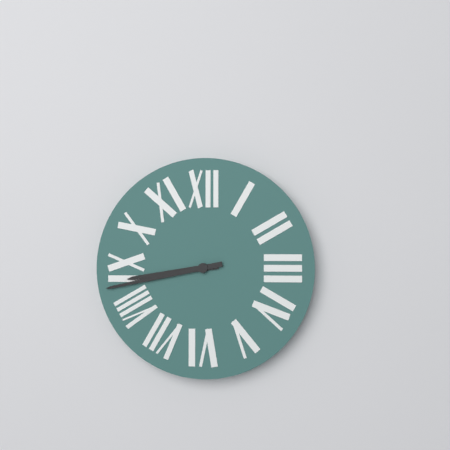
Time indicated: 8:43
